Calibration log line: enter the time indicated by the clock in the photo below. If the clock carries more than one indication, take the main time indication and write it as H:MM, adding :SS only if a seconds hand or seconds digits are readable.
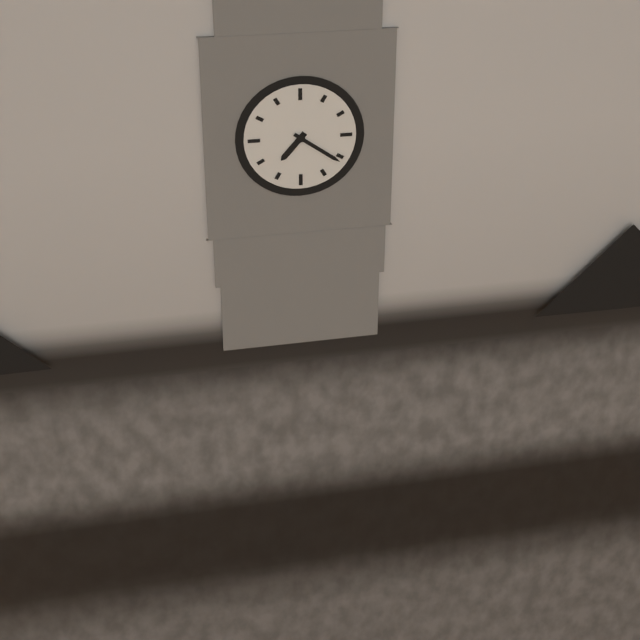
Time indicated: 7:21
